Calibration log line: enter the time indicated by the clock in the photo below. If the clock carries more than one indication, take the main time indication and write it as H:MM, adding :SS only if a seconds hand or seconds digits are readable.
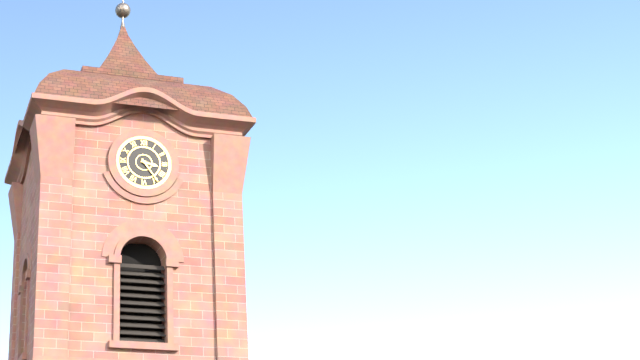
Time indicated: 3:24
